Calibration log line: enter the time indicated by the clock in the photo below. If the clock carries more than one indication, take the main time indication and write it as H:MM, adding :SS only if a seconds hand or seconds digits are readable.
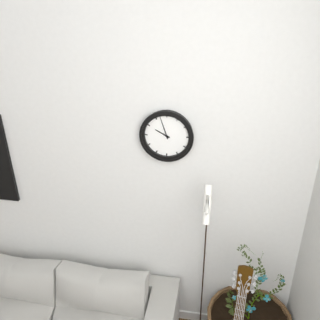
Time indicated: 9:57
